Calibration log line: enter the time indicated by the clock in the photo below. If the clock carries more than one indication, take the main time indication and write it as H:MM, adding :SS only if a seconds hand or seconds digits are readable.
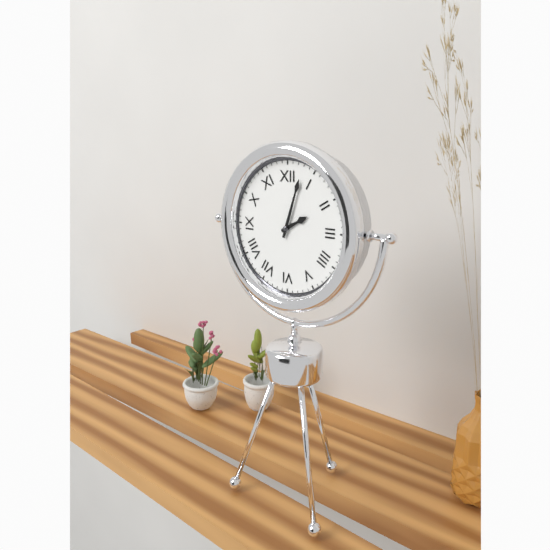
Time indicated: 2:03
